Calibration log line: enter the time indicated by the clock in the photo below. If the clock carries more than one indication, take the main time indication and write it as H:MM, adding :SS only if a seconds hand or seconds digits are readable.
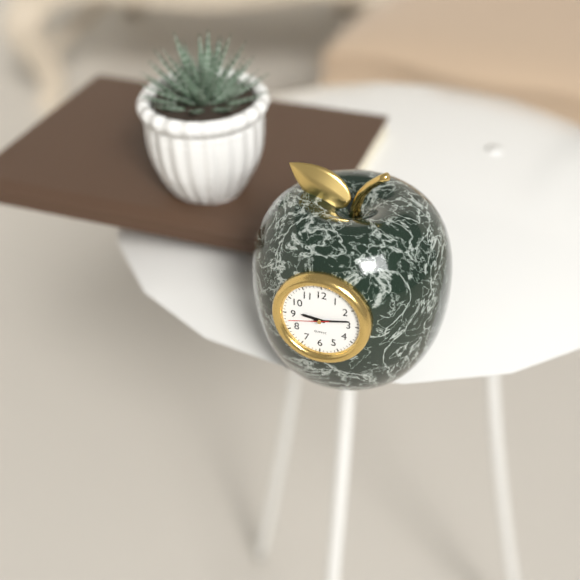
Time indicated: 9:13
